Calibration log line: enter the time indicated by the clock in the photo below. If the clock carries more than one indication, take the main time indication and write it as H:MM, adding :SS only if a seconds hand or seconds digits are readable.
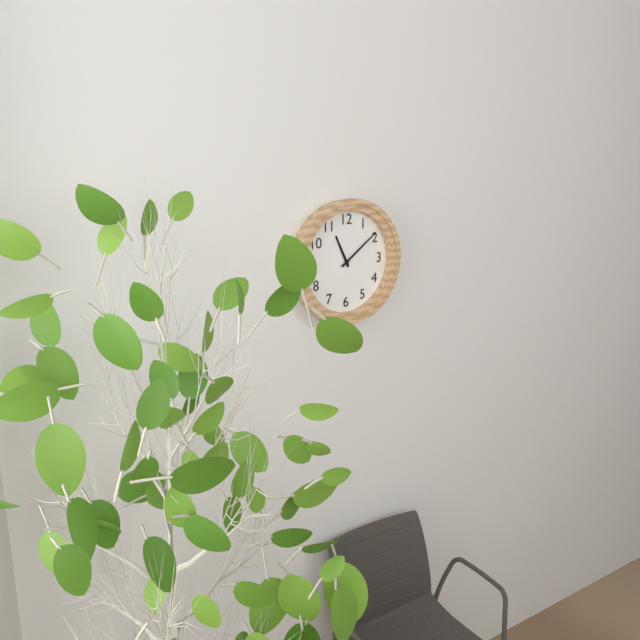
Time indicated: 11:09
